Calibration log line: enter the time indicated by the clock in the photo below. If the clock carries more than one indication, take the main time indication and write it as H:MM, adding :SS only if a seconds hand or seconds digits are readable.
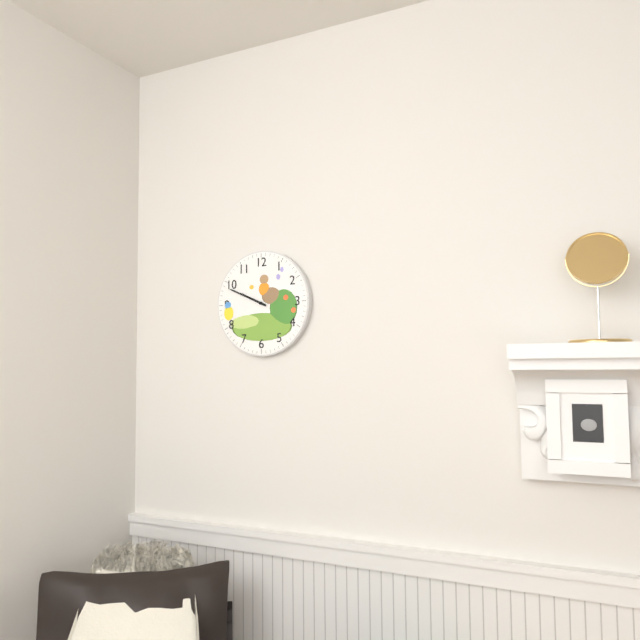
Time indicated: 9:49
